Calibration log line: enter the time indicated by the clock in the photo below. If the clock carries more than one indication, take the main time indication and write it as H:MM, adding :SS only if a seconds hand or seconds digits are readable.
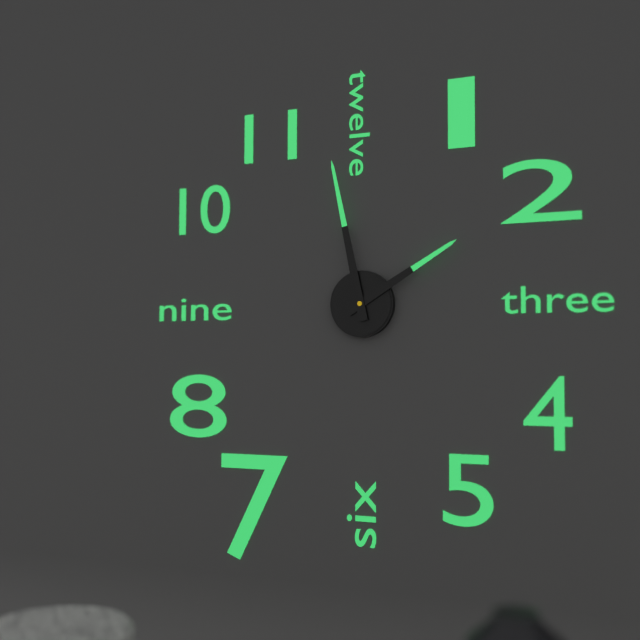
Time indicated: 1:58
